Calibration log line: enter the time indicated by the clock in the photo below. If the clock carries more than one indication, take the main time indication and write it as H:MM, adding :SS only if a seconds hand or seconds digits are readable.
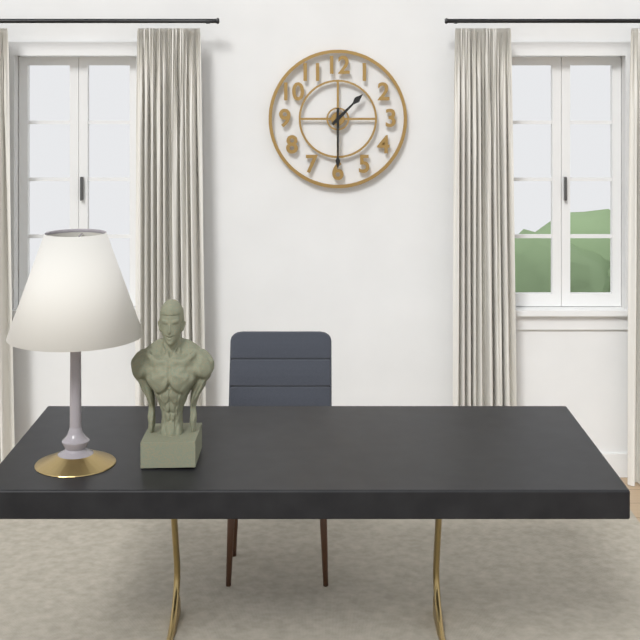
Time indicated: 1:30
